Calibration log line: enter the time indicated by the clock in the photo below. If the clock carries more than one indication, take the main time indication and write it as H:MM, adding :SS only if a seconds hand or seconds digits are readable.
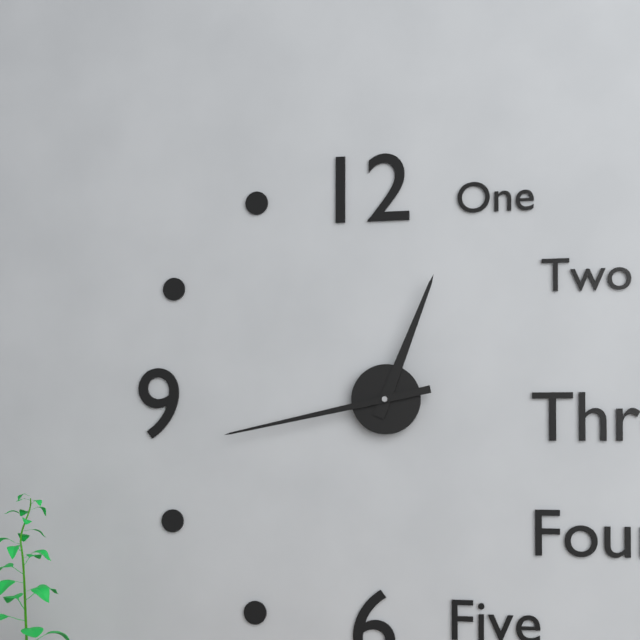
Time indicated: 12:43
